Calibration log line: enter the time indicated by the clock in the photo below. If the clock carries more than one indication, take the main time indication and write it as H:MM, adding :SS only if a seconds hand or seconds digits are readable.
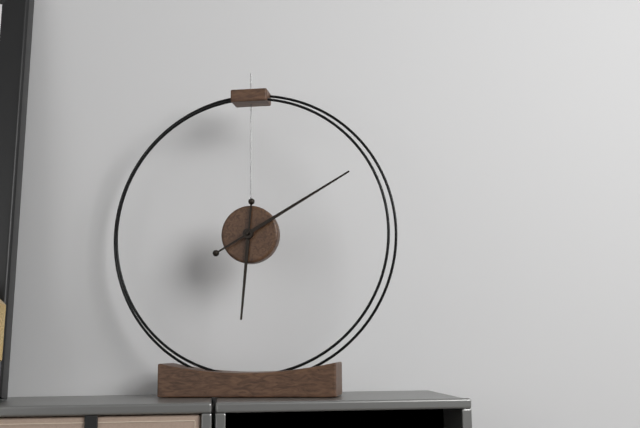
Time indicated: 6:10
